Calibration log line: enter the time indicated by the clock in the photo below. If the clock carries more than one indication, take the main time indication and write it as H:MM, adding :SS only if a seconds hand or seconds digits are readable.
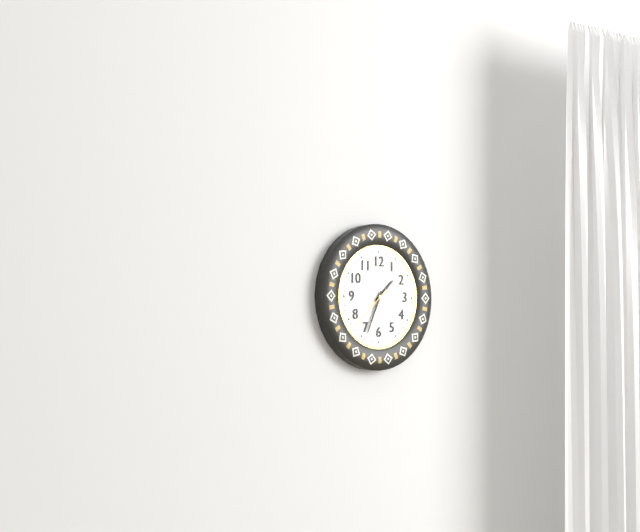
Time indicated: 1:34
